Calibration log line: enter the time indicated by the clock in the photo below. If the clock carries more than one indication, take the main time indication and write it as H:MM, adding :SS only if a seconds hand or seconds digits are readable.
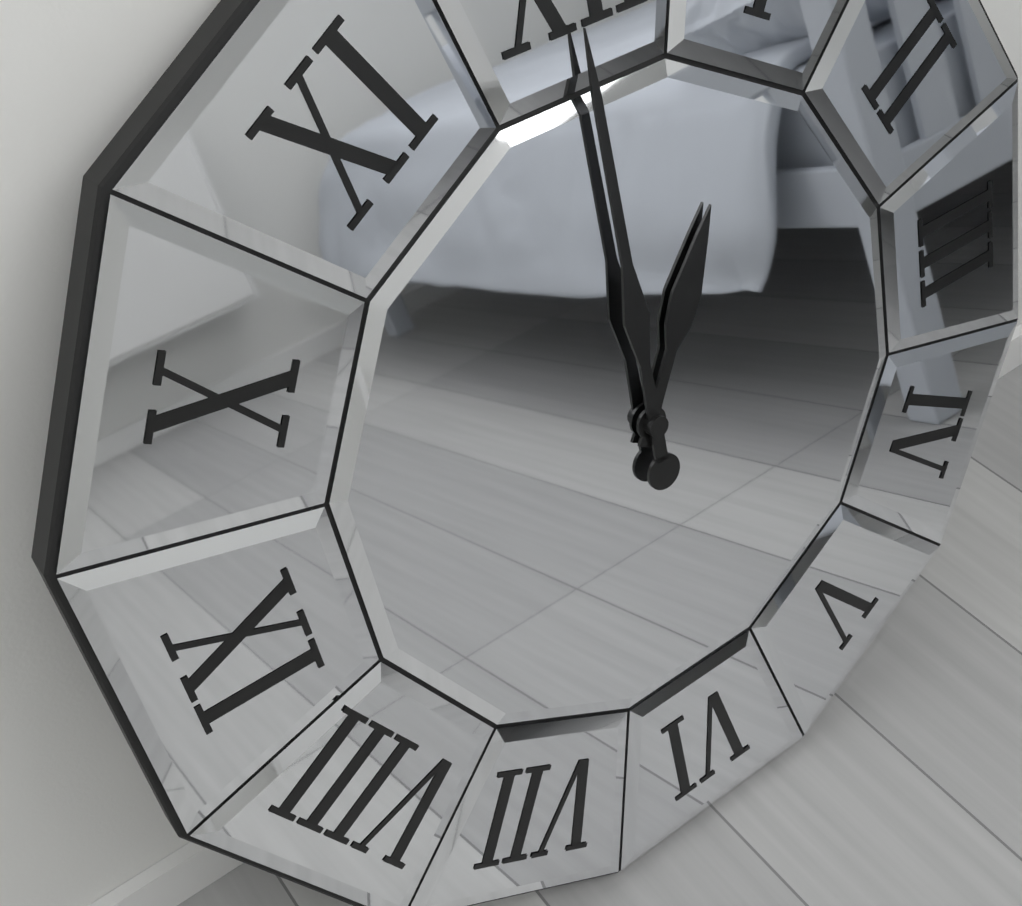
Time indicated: 1:00
